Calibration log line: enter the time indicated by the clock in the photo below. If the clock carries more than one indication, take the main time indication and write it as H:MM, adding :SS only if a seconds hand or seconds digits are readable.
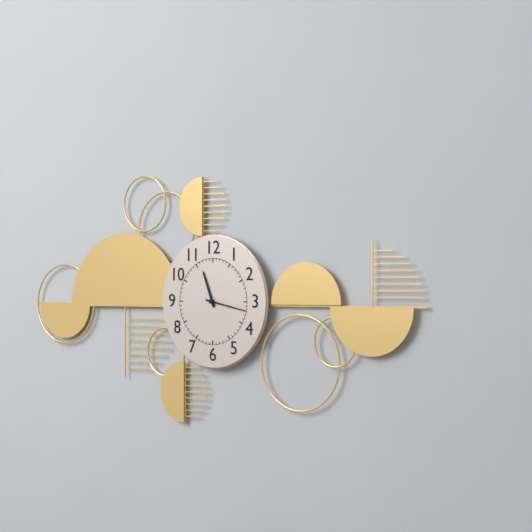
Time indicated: 11:17
